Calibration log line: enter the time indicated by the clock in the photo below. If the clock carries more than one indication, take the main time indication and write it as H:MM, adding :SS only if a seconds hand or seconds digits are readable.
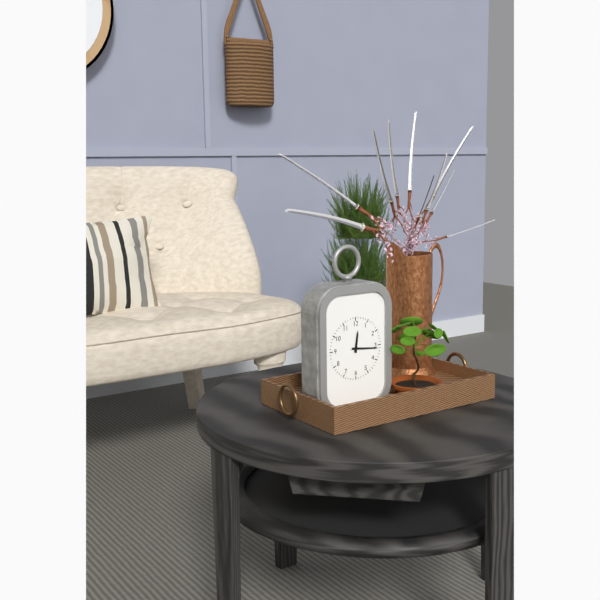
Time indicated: 12:16
